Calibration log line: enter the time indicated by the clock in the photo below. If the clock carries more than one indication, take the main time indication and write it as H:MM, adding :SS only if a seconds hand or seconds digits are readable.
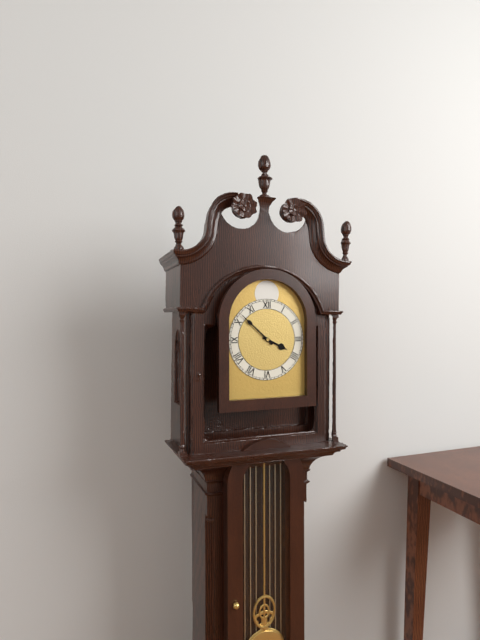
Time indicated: 3:52
